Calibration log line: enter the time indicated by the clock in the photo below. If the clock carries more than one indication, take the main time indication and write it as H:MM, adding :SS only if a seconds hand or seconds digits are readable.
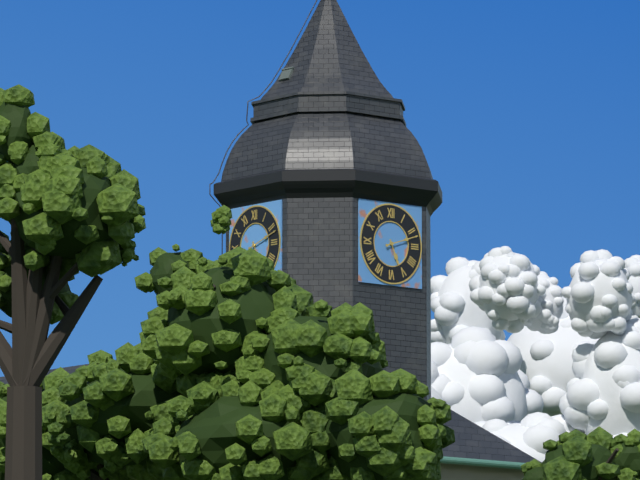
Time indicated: 5:12
